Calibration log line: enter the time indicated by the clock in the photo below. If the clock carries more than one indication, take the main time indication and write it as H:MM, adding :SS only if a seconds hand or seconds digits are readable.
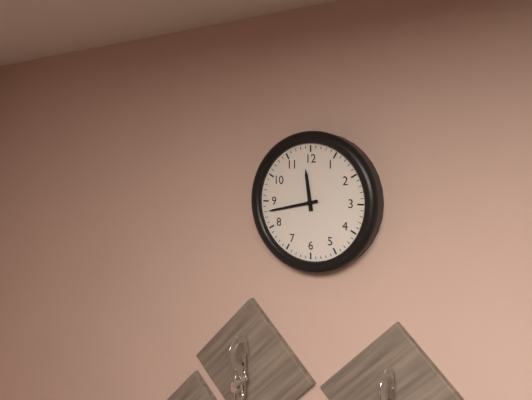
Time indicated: 11:43
